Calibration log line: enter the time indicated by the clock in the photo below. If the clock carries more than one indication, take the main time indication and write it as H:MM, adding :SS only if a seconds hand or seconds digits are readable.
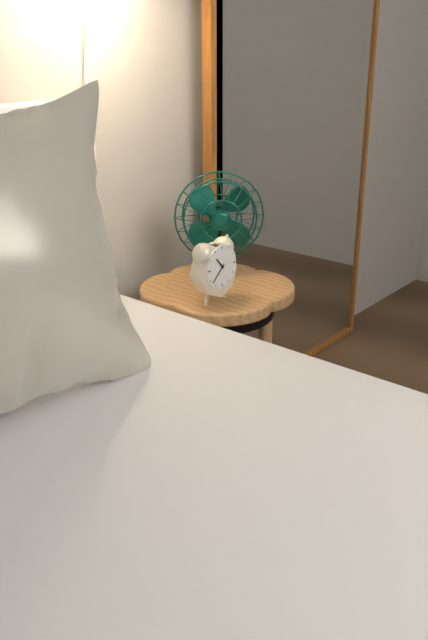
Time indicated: 10:38
